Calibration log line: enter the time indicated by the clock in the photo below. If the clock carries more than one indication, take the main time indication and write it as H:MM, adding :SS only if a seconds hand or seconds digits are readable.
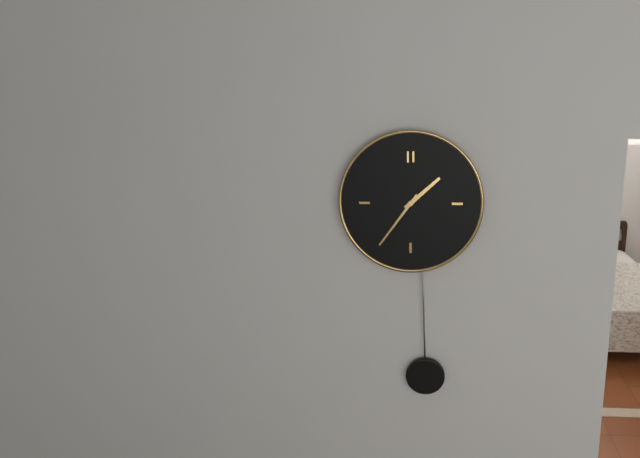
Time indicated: 1:36
